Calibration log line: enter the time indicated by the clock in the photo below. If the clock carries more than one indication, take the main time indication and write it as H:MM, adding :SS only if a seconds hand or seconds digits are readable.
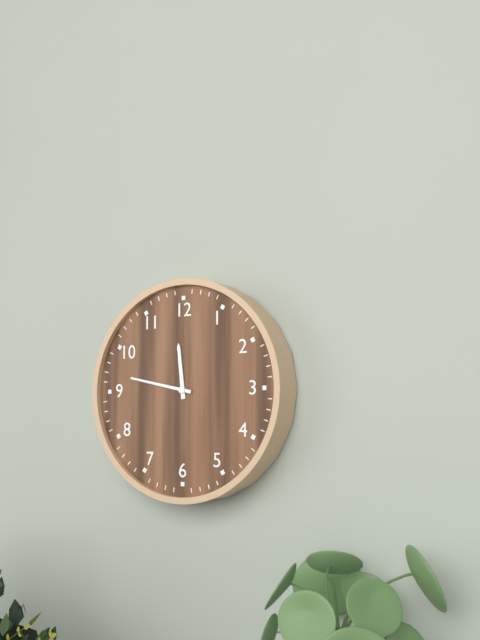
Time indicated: 11:47
